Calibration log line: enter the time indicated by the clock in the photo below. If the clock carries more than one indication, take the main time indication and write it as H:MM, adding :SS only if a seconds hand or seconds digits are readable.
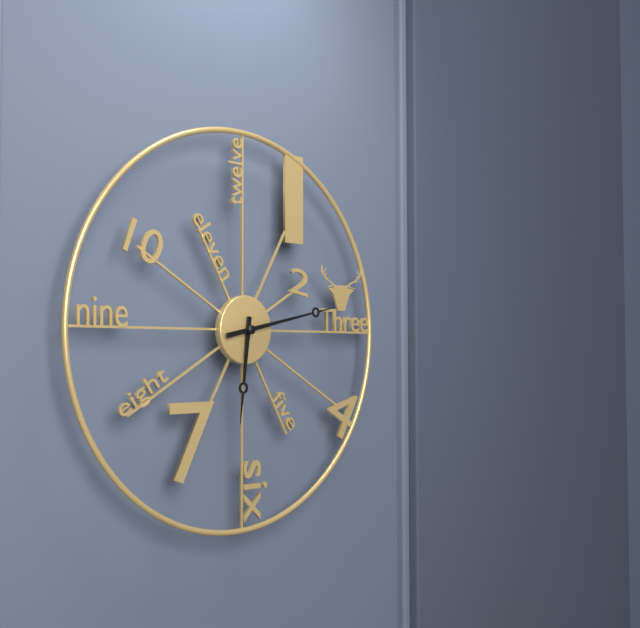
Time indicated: 6:13
